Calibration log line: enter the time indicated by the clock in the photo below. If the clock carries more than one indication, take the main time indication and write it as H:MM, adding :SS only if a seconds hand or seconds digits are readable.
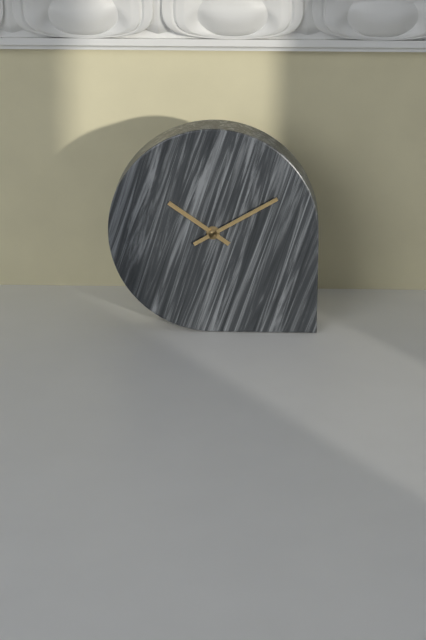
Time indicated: 10:10
